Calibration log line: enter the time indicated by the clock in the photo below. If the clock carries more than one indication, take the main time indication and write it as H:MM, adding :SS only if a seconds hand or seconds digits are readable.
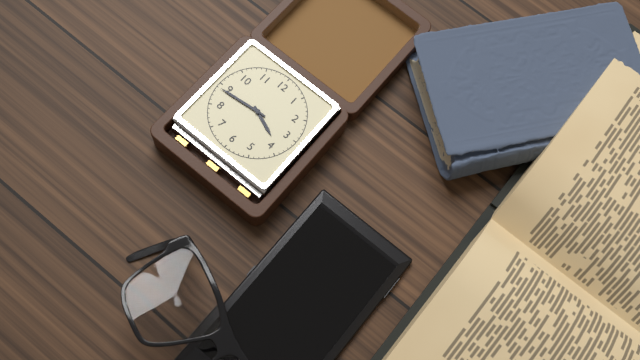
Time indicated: 3:44
